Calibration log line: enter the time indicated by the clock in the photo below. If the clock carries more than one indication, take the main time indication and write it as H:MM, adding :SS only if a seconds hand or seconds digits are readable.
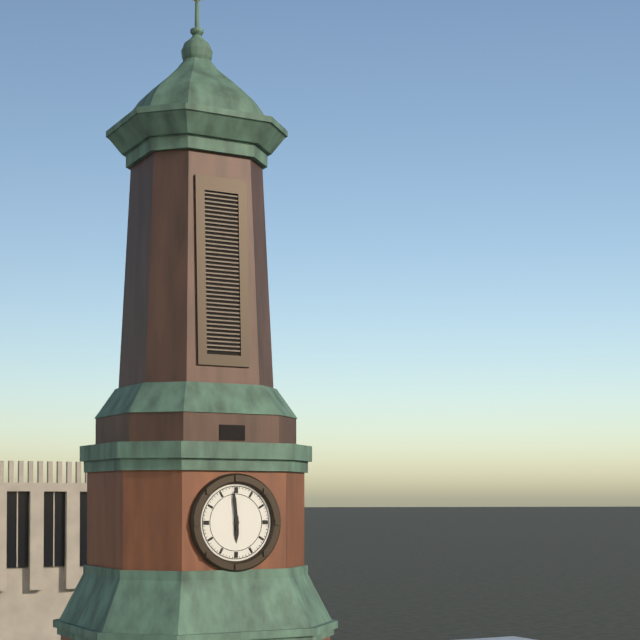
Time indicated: 5:59
